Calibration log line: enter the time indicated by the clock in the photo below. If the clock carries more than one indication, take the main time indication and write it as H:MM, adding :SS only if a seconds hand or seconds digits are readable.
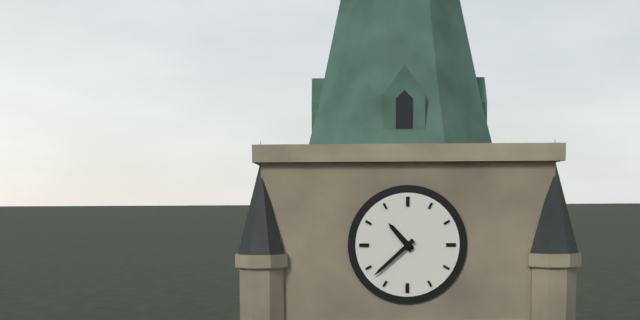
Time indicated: 10:38
